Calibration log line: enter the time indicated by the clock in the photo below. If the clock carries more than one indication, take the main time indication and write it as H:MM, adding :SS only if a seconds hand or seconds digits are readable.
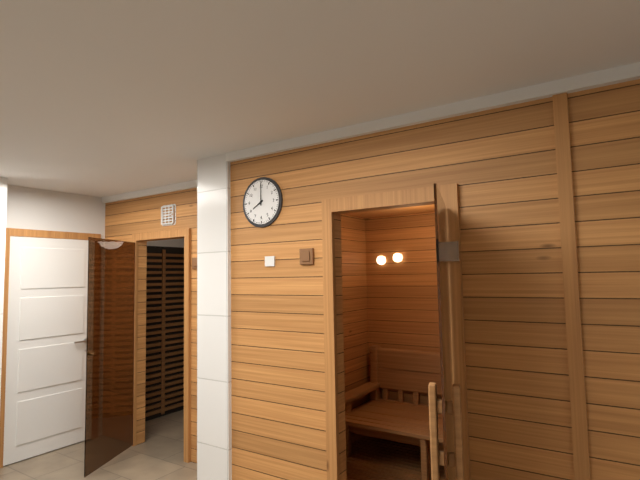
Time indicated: 8:00
